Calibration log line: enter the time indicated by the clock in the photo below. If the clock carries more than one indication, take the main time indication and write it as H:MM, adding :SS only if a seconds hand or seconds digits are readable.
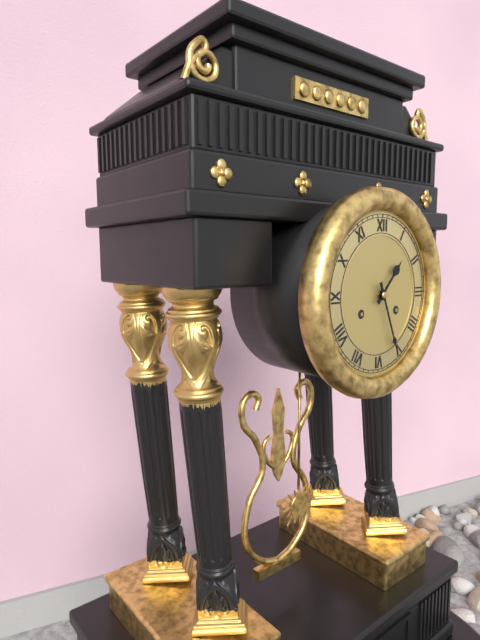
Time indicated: 1:26
